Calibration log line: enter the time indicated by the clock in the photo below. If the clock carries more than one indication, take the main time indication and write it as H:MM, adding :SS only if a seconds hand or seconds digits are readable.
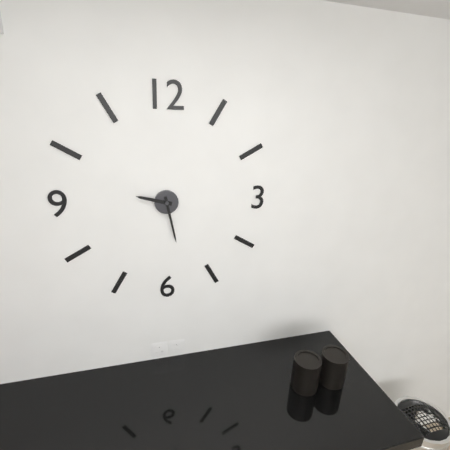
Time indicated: 9:28
